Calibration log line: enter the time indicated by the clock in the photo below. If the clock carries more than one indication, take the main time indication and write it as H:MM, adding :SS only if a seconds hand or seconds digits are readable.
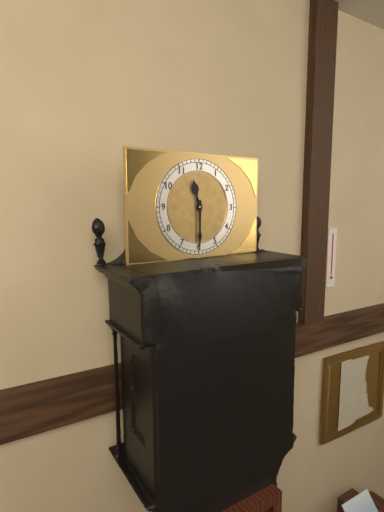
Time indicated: 11:30
